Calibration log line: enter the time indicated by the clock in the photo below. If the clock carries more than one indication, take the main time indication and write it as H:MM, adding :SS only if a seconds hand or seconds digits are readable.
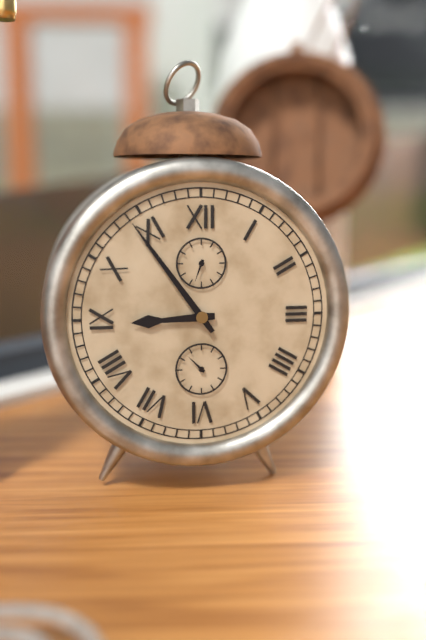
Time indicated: 8:54
